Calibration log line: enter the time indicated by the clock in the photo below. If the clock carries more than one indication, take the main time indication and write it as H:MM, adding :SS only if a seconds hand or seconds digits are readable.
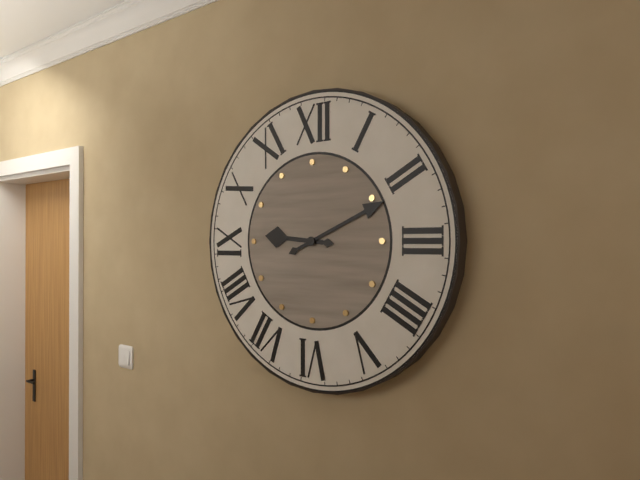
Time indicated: 9:11
